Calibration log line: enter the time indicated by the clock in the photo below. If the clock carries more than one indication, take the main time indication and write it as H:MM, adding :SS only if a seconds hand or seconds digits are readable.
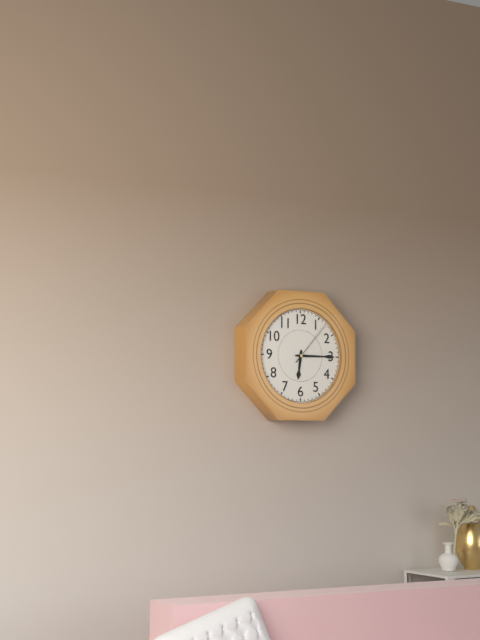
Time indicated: 6:15
